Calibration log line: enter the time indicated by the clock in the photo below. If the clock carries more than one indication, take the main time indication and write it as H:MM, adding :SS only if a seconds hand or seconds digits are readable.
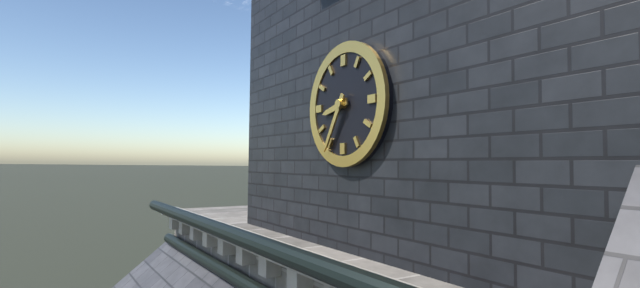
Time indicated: 8:35
